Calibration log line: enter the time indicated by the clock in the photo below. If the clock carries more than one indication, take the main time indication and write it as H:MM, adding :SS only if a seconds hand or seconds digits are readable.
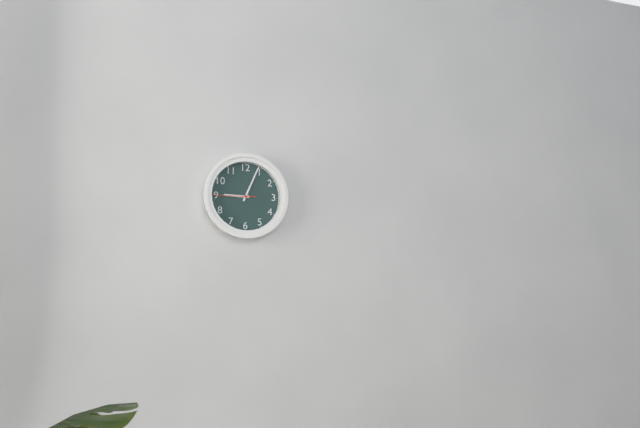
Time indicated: 9:04
